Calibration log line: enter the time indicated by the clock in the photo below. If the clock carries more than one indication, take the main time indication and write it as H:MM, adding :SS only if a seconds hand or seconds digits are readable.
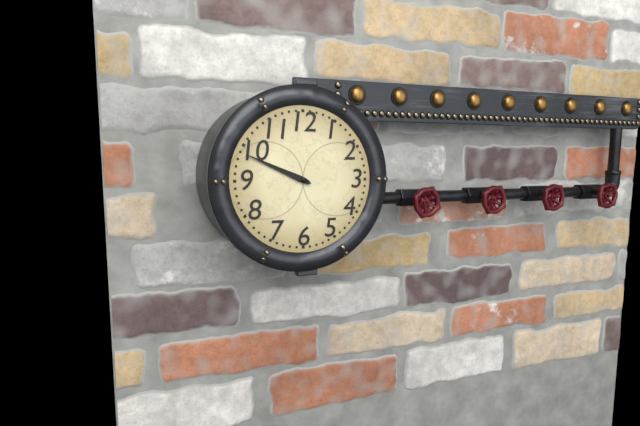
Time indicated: 9:49
